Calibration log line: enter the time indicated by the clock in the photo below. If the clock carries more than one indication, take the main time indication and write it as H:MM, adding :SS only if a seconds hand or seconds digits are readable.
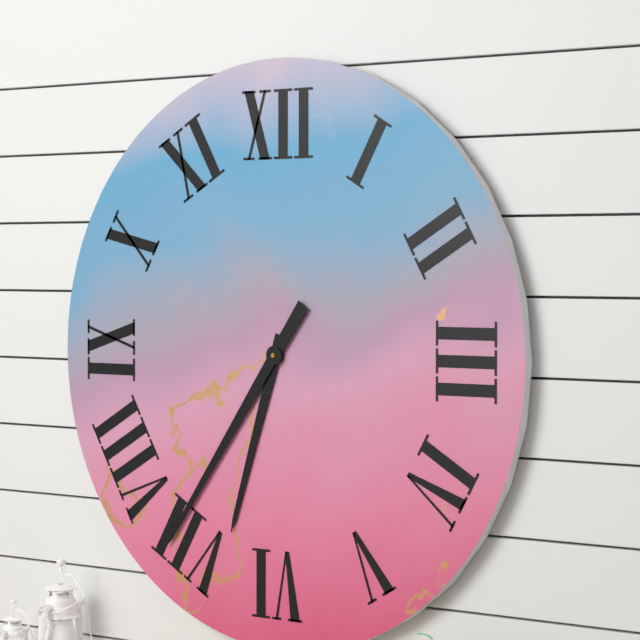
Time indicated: 6:36
